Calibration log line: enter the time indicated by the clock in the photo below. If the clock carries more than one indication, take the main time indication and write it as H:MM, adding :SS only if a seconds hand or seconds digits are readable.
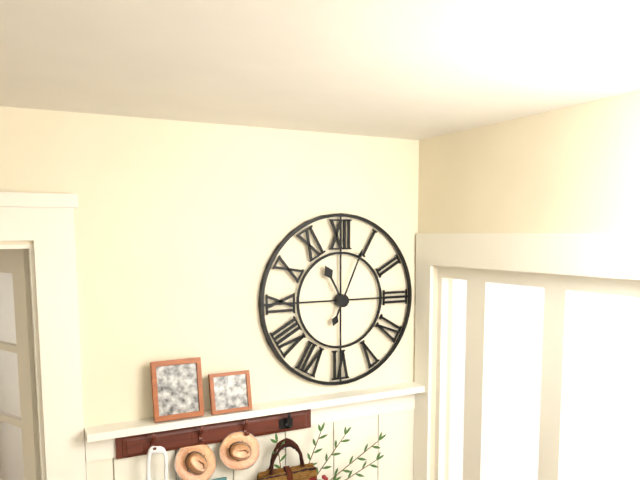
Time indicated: 11:04
